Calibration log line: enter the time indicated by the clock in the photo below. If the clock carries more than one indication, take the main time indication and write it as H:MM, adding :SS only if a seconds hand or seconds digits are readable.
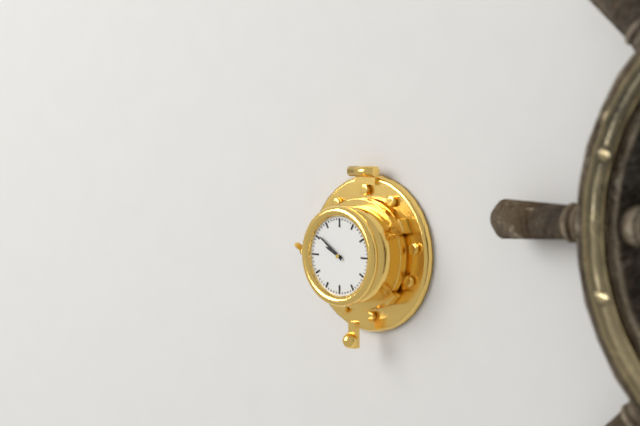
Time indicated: 9:51
